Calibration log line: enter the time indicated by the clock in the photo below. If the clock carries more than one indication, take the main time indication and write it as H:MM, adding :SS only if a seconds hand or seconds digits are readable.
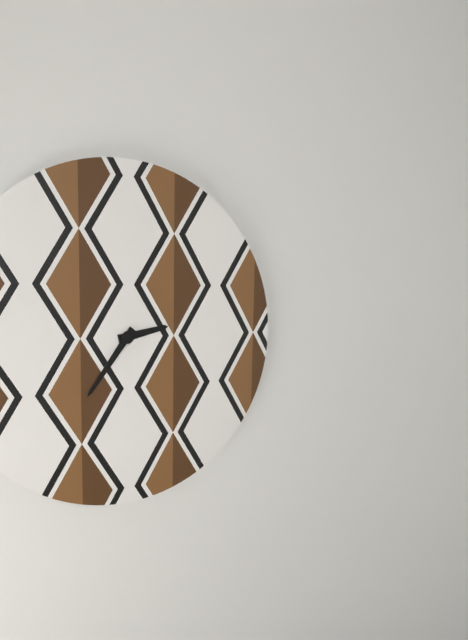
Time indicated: 2:36
